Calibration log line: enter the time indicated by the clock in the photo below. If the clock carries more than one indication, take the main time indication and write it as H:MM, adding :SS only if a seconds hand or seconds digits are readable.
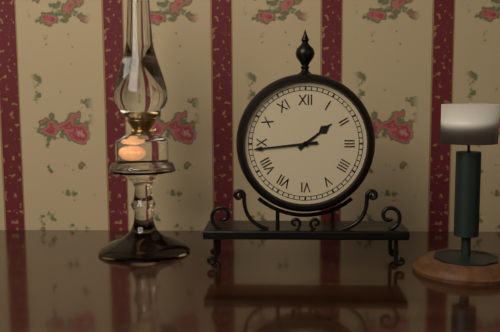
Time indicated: 1:44
